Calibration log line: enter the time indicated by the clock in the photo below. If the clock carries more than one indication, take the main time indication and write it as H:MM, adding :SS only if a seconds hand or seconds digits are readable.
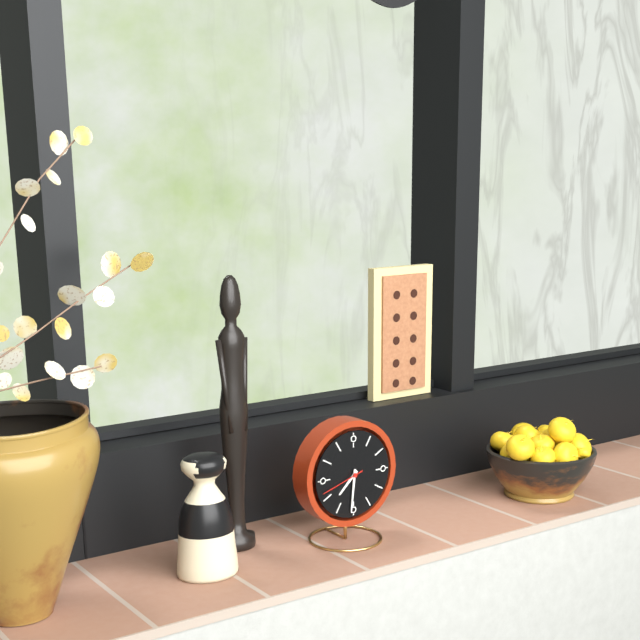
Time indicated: 7:31
